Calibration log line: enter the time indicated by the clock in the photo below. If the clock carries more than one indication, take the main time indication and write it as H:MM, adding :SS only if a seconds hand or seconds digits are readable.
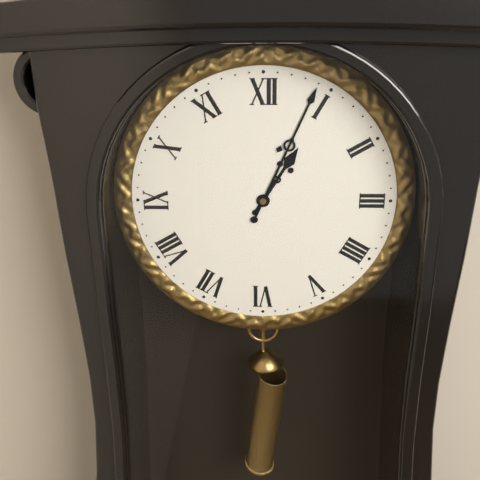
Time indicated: 1:04
